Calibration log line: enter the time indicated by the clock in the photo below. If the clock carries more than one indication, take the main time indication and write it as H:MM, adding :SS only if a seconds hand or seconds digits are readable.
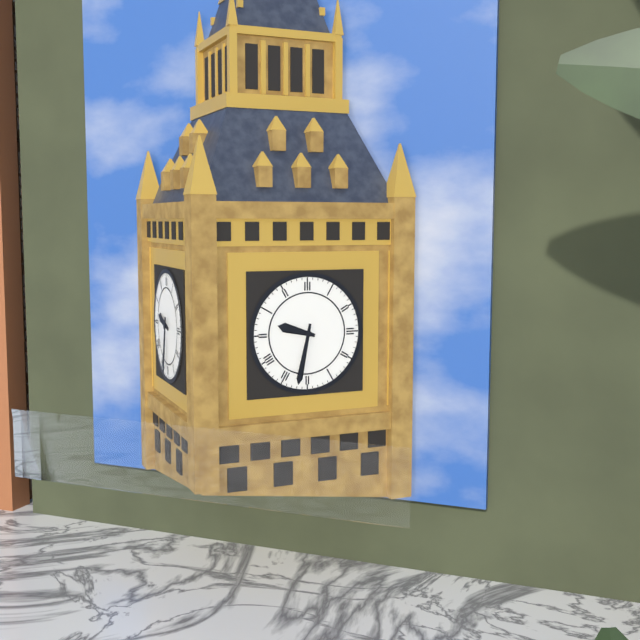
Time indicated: 9:32
